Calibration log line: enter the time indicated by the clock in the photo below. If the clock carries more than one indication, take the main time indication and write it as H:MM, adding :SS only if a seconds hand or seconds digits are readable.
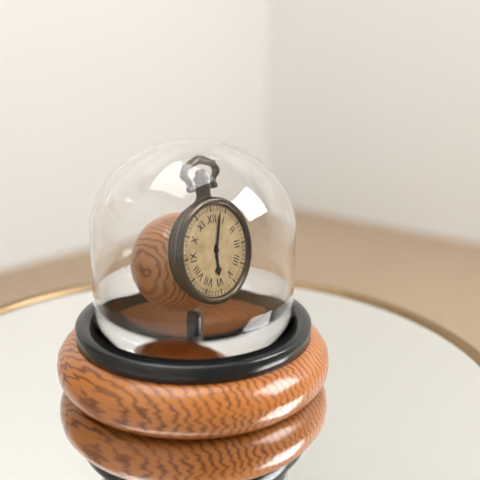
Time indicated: 6:03
